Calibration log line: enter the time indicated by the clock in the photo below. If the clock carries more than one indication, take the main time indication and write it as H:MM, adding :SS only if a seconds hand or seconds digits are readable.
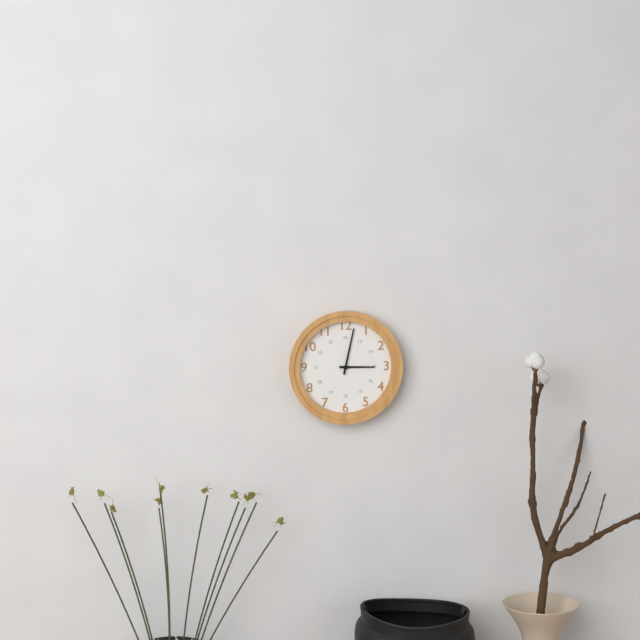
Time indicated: 3:02
